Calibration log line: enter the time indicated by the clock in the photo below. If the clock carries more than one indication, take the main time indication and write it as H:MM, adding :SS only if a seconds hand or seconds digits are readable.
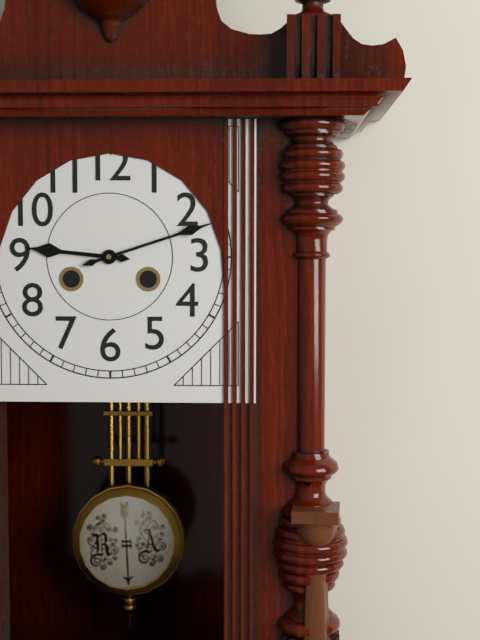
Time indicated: 9:12
